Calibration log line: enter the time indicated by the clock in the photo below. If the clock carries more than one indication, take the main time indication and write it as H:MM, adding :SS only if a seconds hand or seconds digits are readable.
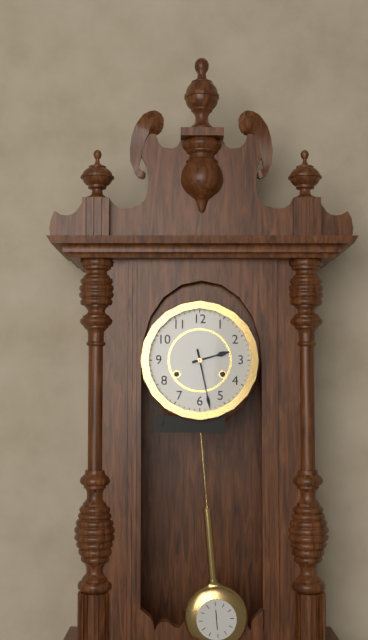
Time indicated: 2:28
